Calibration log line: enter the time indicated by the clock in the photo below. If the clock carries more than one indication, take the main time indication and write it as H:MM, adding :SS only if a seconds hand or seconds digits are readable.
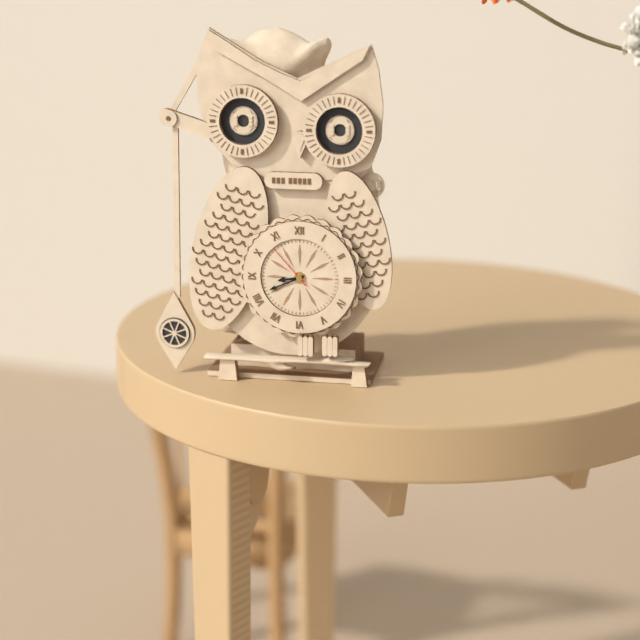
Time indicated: 8:41
